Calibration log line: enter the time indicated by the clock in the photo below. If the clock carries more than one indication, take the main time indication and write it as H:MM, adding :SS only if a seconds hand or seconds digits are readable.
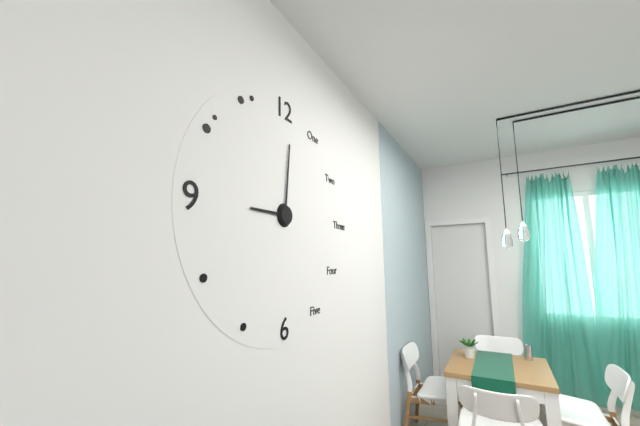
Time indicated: 9:01
